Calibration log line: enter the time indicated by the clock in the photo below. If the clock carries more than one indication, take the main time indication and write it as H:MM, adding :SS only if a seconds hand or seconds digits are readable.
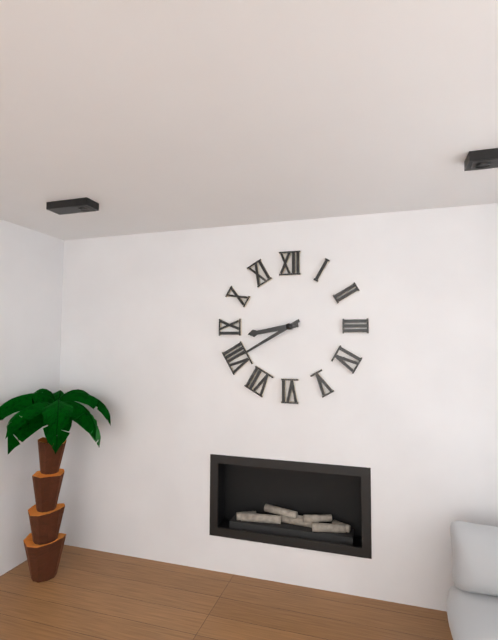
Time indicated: 8:40
